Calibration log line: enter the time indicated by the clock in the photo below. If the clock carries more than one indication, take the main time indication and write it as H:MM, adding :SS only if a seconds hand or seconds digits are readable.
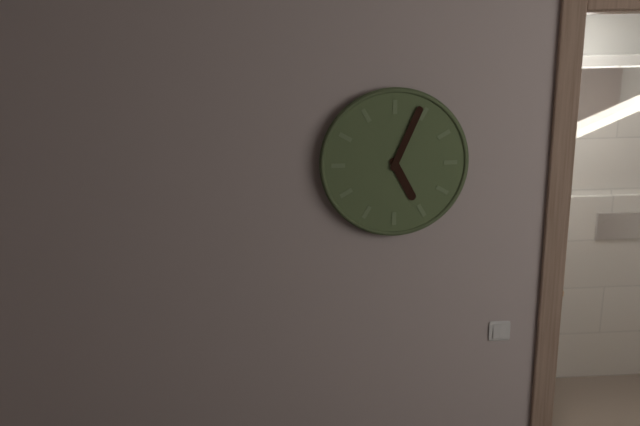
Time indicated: 5:04
